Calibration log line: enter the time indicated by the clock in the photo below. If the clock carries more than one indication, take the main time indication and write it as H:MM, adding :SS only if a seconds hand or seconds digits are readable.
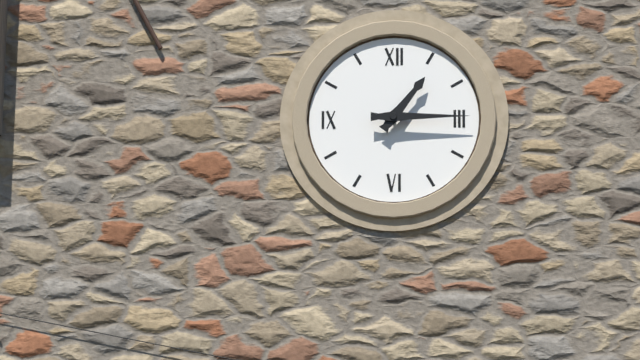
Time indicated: 1:15
